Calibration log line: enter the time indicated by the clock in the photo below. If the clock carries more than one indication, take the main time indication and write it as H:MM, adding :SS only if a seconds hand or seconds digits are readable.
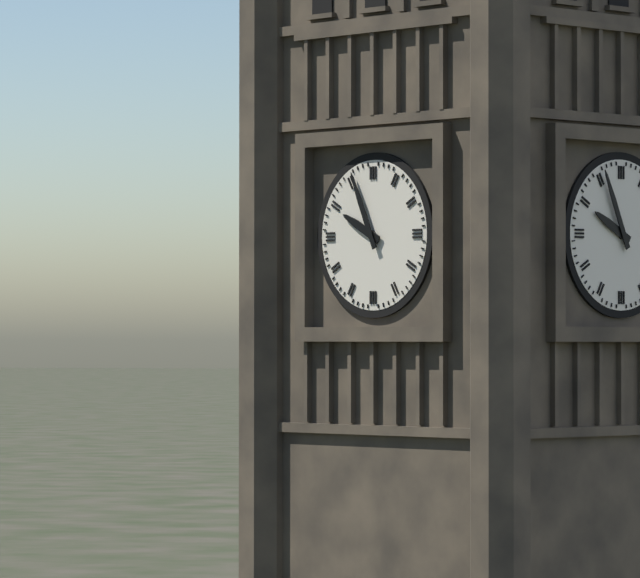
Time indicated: 9:56
